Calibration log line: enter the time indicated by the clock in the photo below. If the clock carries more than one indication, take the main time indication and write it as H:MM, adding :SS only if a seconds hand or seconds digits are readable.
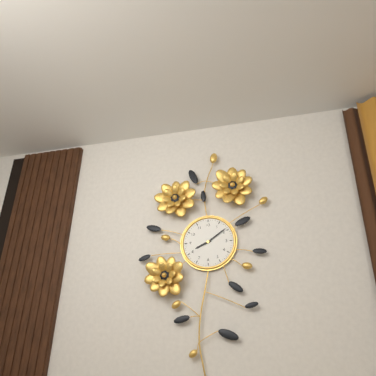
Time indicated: 8:09
